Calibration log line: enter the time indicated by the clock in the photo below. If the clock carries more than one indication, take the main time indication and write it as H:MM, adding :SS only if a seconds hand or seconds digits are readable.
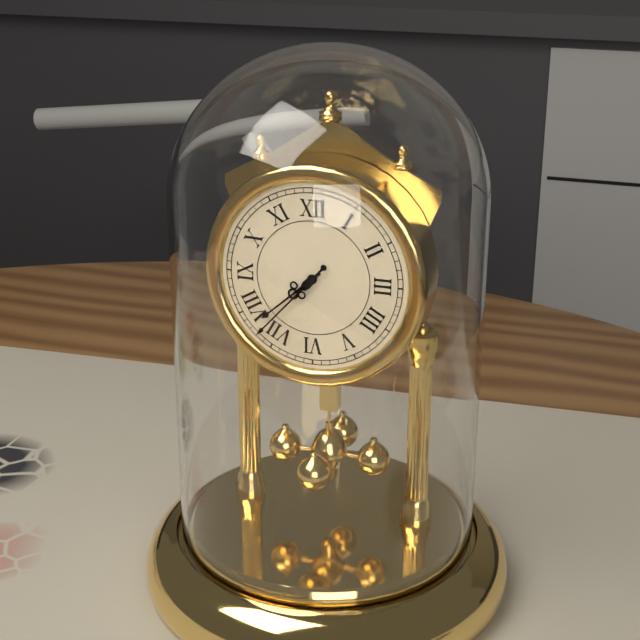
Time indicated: 7:37
